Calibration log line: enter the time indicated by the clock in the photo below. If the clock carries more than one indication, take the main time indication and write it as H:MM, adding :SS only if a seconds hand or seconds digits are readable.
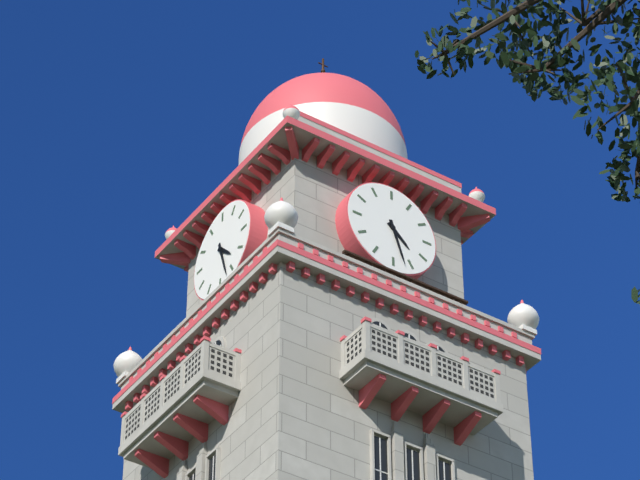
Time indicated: 4:27
